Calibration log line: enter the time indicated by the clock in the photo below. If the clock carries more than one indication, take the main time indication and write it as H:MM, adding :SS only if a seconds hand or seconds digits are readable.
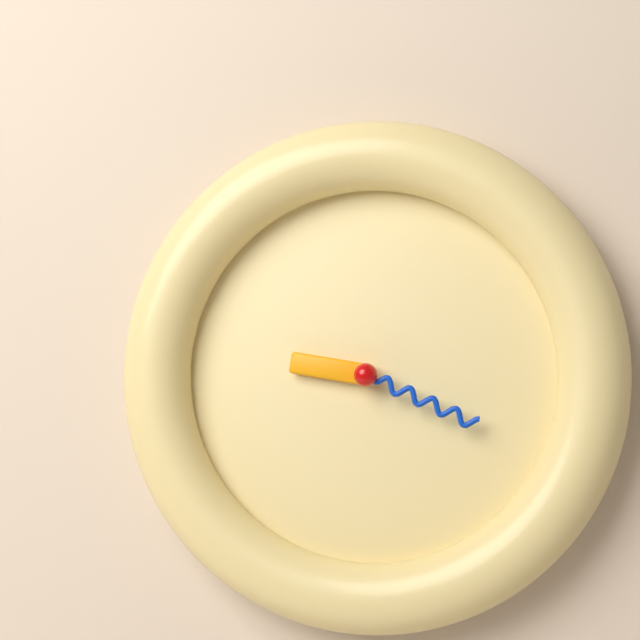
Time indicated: 9:19
